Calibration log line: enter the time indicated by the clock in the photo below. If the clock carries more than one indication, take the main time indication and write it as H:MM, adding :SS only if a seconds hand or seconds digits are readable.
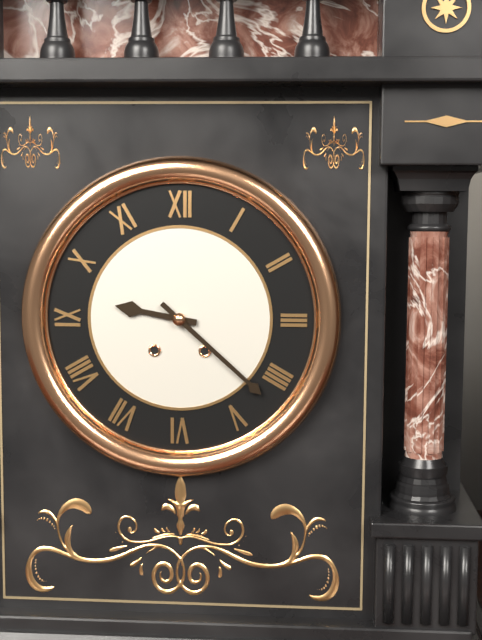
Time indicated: 9:22
